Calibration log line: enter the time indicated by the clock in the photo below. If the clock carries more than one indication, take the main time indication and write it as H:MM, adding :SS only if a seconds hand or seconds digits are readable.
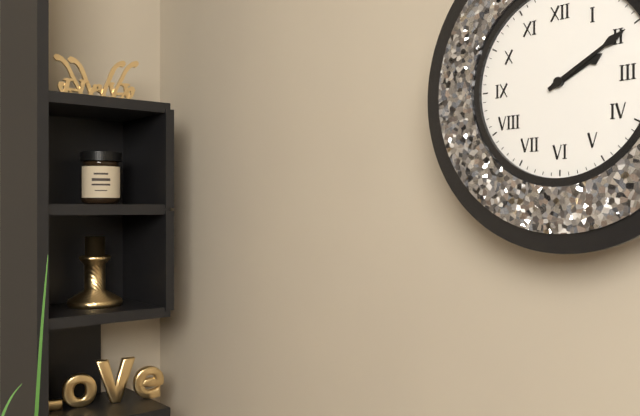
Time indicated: 2:10
